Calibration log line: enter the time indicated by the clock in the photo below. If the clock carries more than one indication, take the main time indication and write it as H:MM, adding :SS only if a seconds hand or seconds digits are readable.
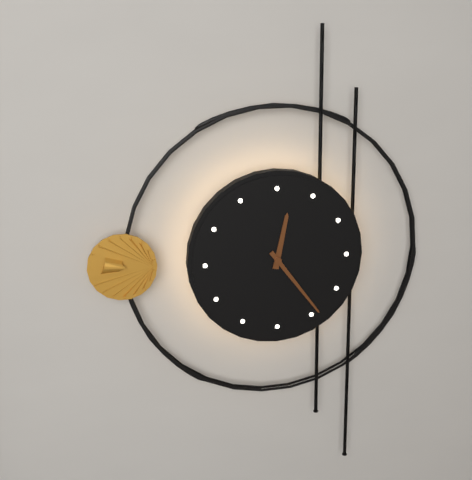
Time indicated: 12:24
